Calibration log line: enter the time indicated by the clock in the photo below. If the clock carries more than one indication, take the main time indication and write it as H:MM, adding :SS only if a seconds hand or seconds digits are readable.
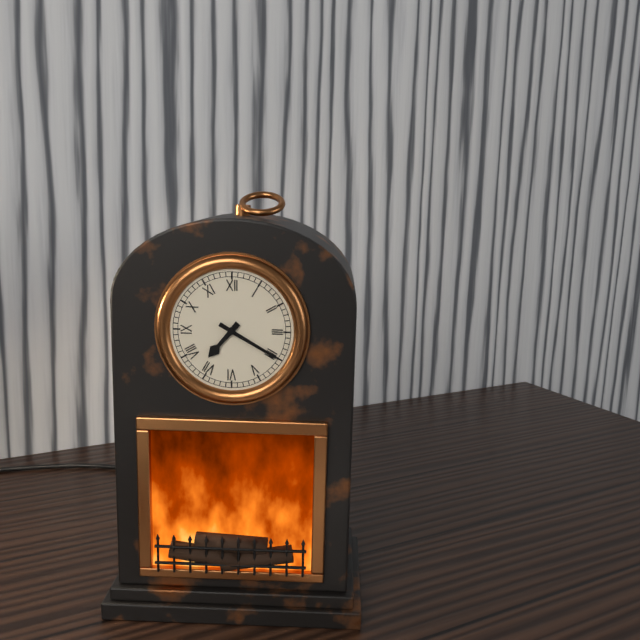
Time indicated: 7:20
